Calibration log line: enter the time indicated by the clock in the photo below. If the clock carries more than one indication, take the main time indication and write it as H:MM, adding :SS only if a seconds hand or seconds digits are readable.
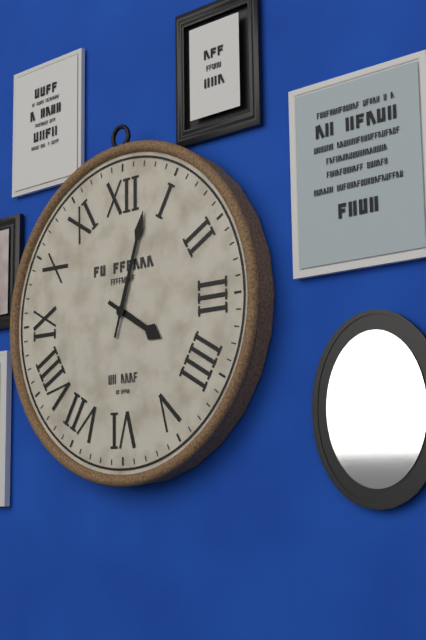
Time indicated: 4:03
